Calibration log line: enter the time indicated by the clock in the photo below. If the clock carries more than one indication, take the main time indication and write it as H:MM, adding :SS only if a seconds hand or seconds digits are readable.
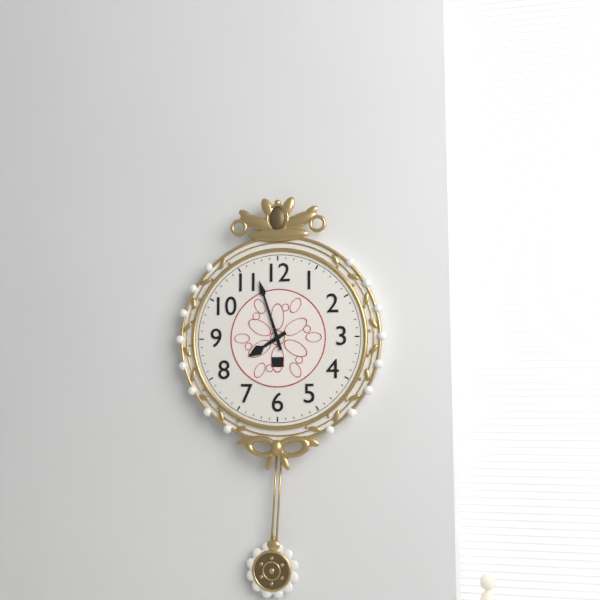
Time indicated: 7:57
